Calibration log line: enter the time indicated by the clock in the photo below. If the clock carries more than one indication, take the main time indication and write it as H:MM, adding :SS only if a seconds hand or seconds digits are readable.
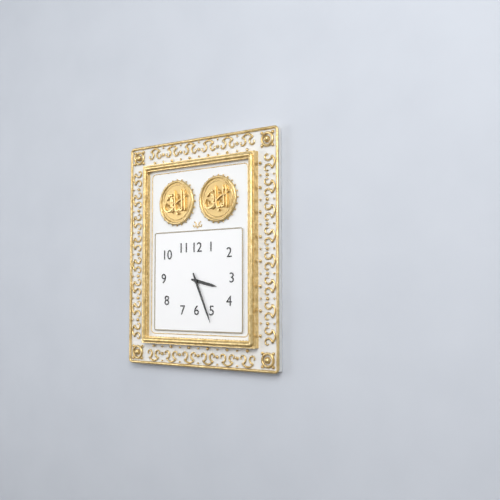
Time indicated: 3:26
